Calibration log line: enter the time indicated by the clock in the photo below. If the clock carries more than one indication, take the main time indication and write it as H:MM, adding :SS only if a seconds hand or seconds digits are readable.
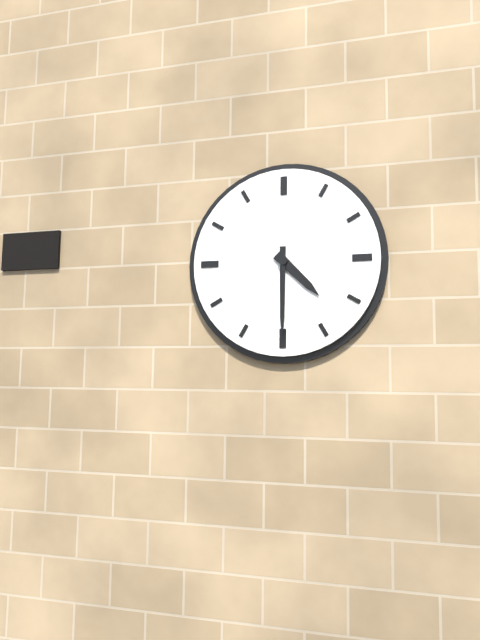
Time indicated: 4:30
